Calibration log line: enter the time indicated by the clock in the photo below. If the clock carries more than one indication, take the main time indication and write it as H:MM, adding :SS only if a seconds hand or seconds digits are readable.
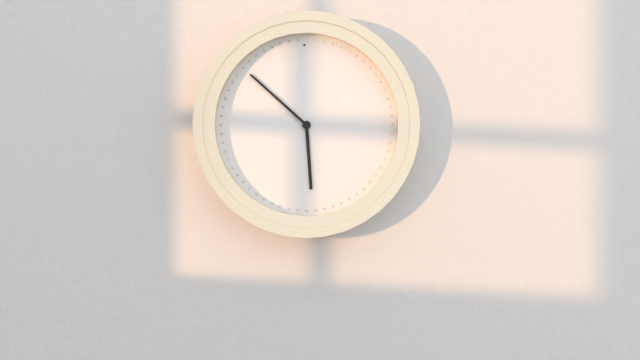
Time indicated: 5:52
